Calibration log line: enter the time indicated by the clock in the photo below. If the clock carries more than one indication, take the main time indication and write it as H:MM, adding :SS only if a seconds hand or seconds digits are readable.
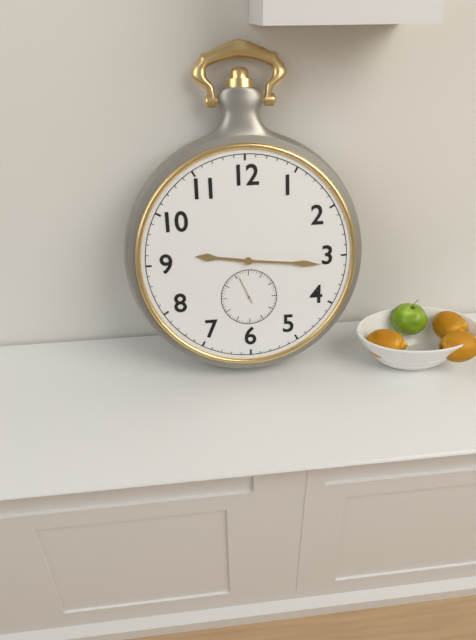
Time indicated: 9:16
